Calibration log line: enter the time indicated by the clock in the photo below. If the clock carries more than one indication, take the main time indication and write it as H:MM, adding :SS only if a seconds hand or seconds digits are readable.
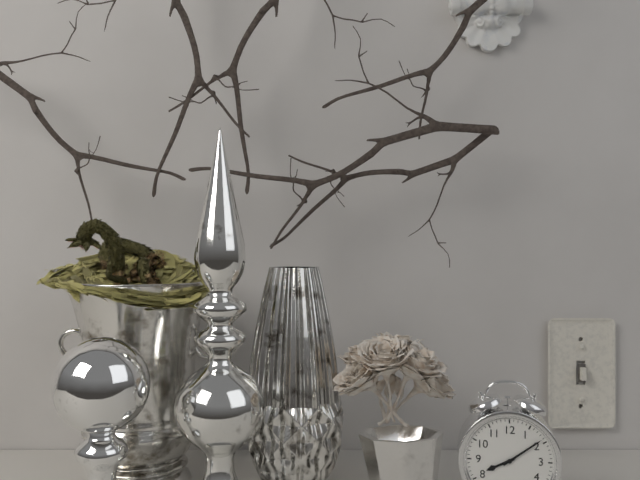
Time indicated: 8:09
